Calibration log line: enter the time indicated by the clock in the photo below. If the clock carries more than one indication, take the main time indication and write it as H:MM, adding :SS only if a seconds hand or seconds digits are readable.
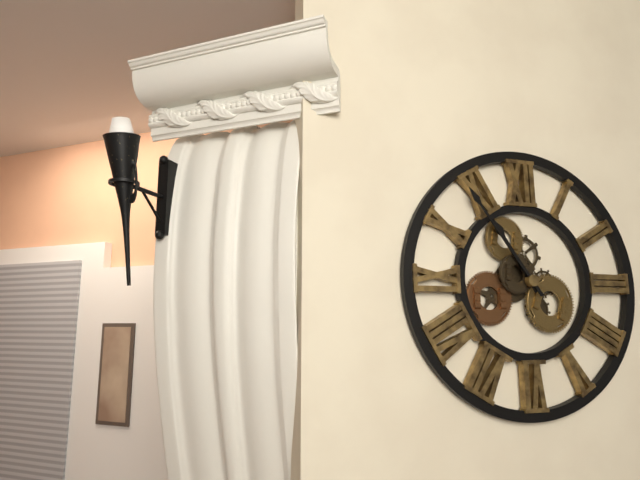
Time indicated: 10:54
